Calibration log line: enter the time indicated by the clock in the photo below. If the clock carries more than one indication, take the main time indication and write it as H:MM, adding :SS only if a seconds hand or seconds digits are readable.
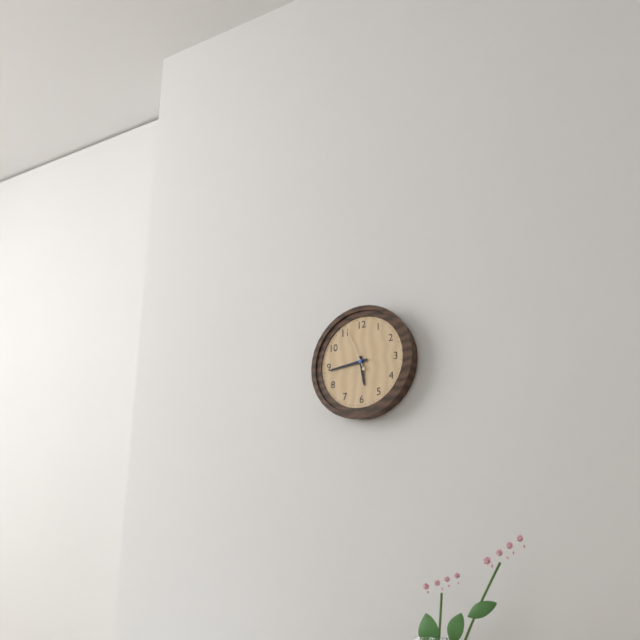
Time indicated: 5:44
